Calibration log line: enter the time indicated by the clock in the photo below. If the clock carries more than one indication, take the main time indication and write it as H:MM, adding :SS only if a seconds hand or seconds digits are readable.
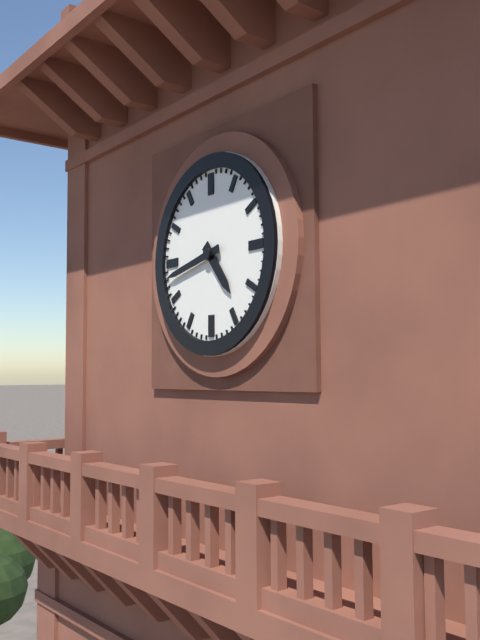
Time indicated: 4:43
